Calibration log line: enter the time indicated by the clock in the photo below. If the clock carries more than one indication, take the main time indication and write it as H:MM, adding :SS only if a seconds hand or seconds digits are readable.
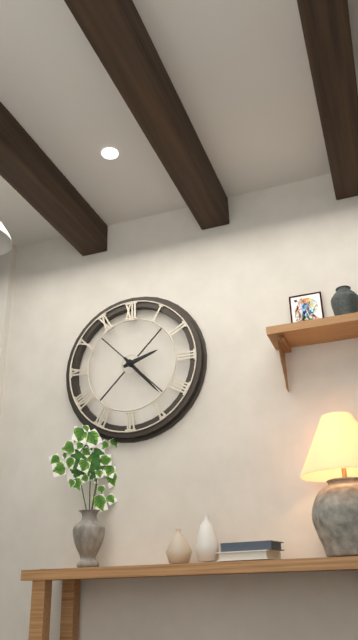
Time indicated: 2:23
